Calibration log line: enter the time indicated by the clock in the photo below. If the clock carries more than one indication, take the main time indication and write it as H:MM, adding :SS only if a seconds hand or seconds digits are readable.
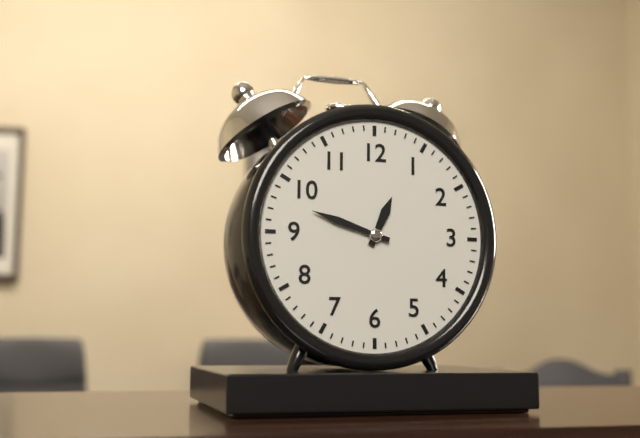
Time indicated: 12:48
